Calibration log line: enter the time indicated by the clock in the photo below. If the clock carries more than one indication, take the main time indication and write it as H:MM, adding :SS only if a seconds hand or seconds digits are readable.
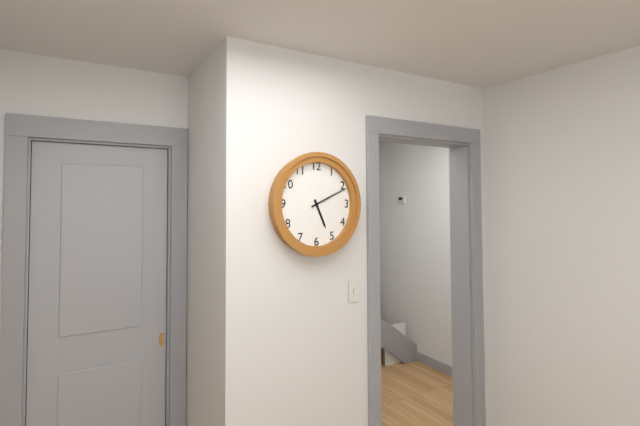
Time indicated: 5:11
